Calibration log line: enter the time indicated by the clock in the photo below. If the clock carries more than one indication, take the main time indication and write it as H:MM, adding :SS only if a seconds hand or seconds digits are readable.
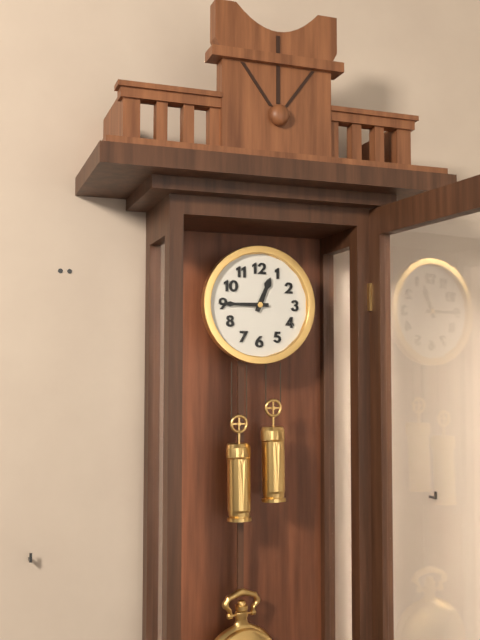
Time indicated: 12:45
